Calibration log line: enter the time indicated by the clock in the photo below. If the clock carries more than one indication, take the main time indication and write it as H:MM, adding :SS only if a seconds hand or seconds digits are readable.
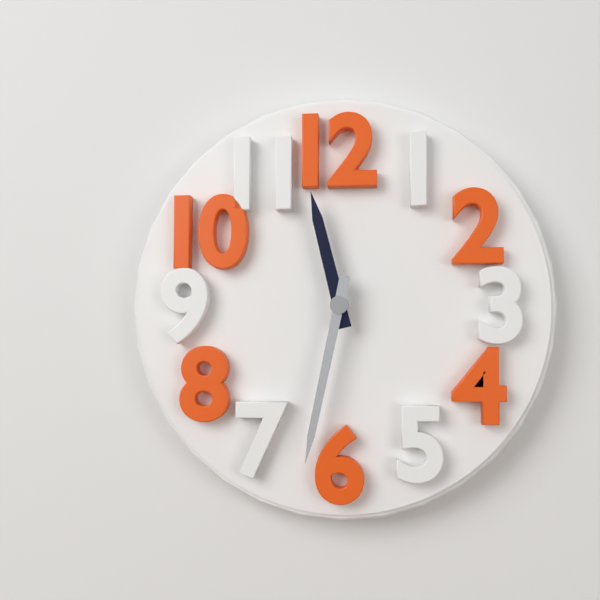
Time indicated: 11:32
